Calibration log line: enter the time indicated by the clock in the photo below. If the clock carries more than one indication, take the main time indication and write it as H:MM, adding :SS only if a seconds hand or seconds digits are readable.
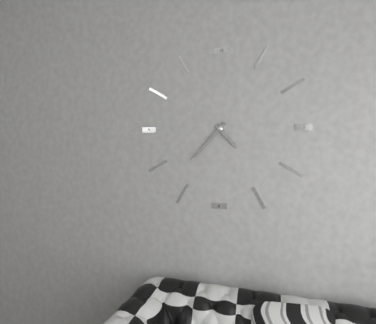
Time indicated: 4:37
